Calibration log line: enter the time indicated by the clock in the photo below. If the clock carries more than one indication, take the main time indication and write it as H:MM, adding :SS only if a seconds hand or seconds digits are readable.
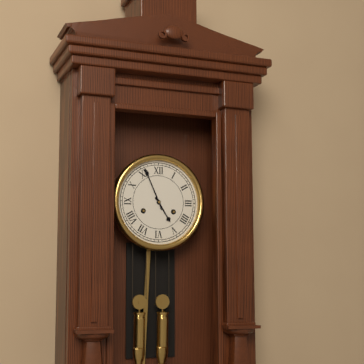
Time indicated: 4:56
